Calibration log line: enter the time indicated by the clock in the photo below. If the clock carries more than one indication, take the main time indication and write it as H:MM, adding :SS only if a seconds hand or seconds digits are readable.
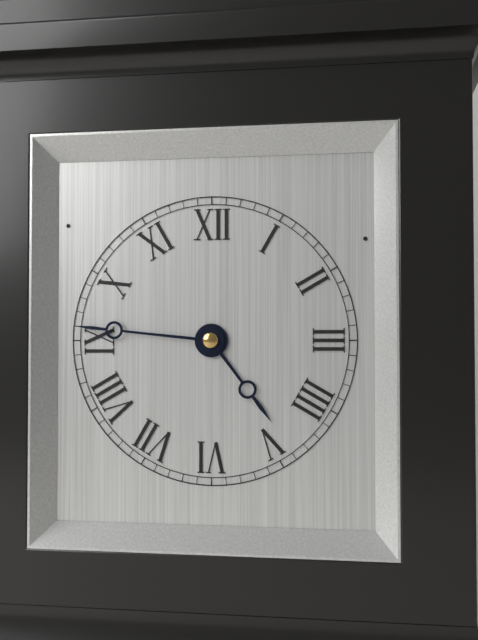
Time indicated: 4:46
